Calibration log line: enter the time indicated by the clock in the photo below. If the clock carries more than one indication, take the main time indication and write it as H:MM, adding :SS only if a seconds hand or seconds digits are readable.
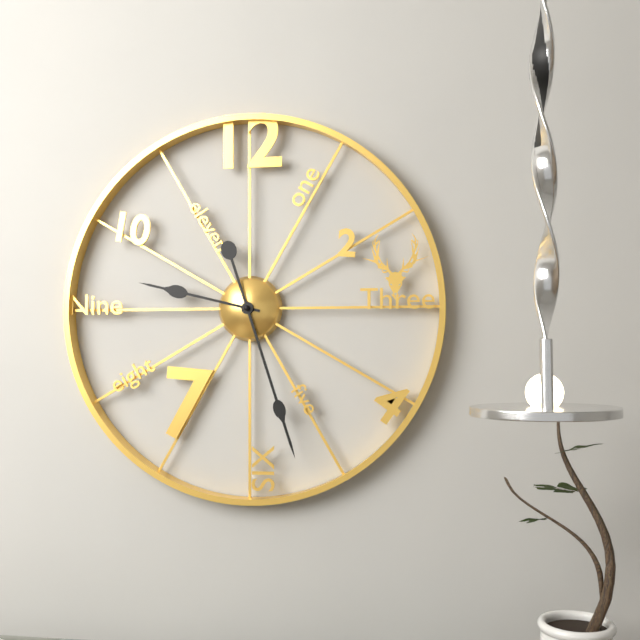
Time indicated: 9:27
